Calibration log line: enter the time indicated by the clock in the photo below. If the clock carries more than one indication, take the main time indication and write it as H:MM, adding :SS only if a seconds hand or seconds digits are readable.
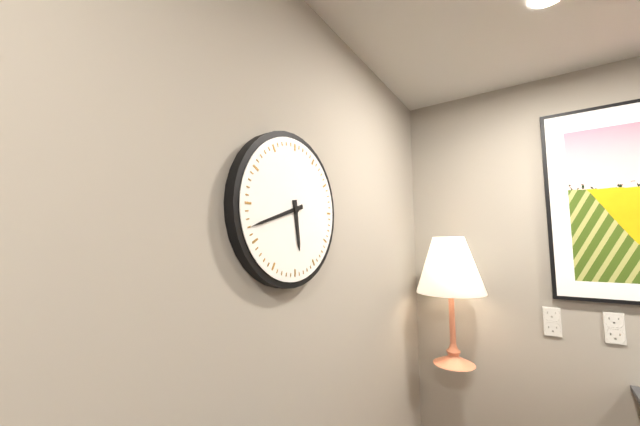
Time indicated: 5:42
